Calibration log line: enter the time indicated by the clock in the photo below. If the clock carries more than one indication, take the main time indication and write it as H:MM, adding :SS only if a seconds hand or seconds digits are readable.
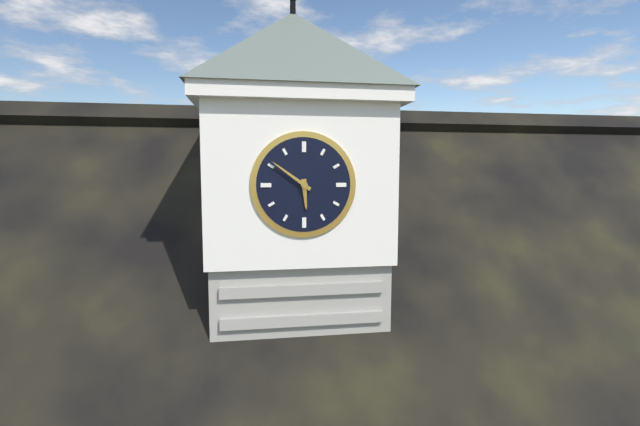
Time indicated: 5:51
